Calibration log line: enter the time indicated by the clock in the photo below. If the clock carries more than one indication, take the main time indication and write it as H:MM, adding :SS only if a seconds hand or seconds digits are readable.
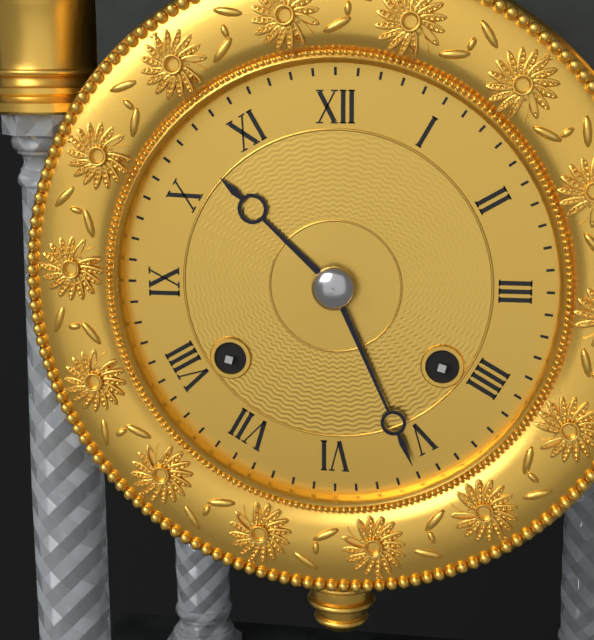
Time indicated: 10:26
